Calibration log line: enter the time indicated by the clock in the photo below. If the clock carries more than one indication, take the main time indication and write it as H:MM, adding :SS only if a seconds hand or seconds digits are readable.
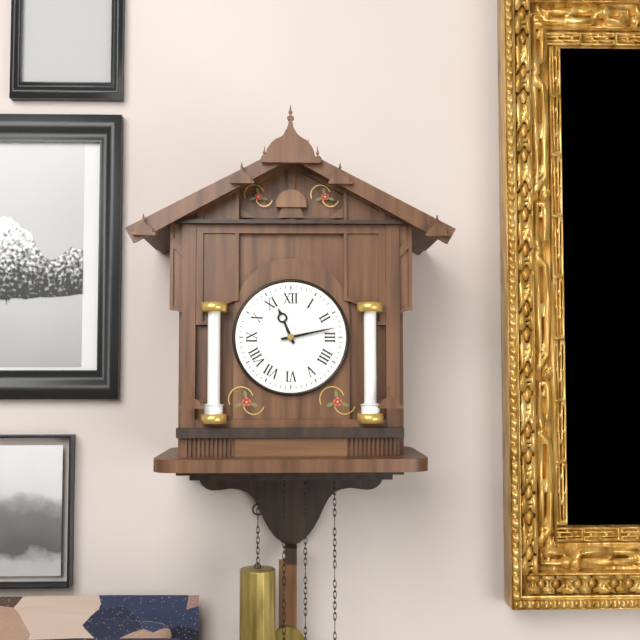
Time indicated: 11:13
